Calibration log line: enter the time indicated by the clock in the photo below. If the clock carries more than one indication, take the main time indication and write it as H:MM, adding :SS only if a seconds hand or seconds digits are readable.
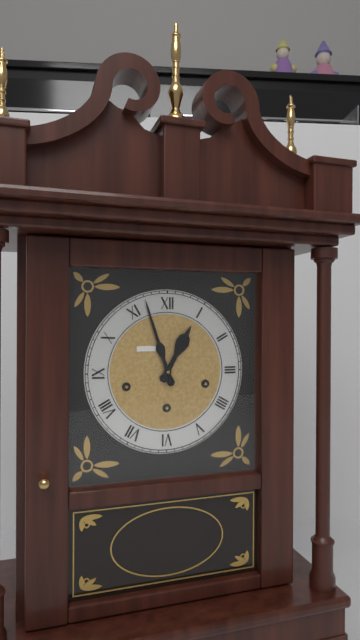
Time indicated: 12:57
